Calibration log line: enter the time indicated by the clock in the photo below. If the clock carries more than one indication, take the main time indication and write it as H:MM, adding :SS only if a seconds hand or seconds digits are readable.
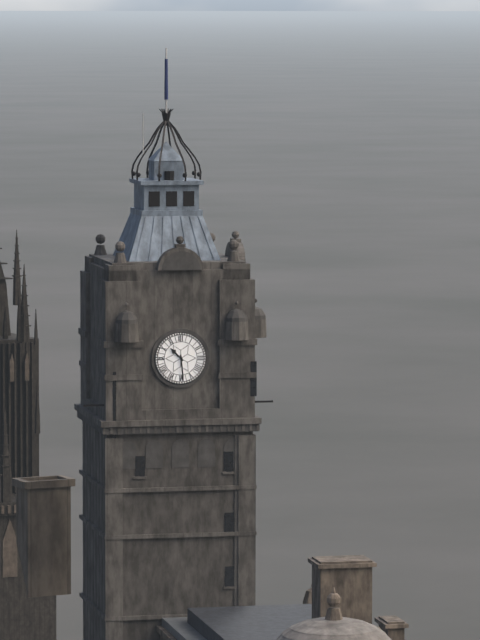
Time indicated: 10:29
